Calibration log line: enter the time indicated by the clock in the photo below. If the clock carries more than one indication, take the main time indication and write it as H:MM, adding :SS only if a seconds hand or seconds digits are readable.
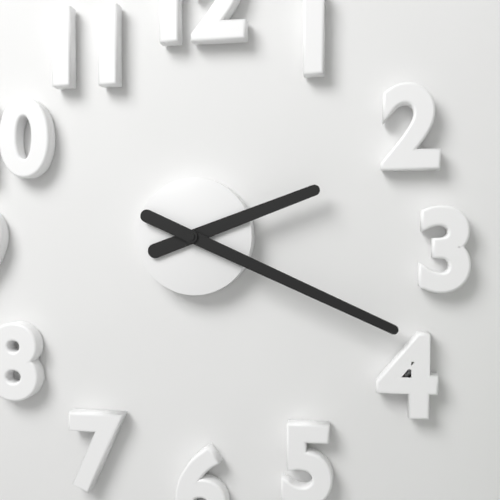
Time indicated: 2:19
